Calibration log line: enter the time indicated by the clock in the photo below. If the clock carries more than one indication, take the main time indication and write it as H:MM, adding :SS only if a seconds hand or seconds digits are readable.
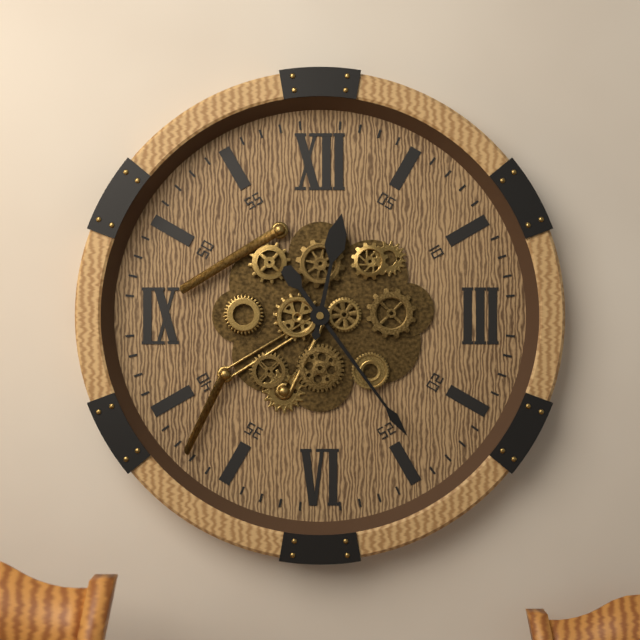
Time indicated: 12:24
